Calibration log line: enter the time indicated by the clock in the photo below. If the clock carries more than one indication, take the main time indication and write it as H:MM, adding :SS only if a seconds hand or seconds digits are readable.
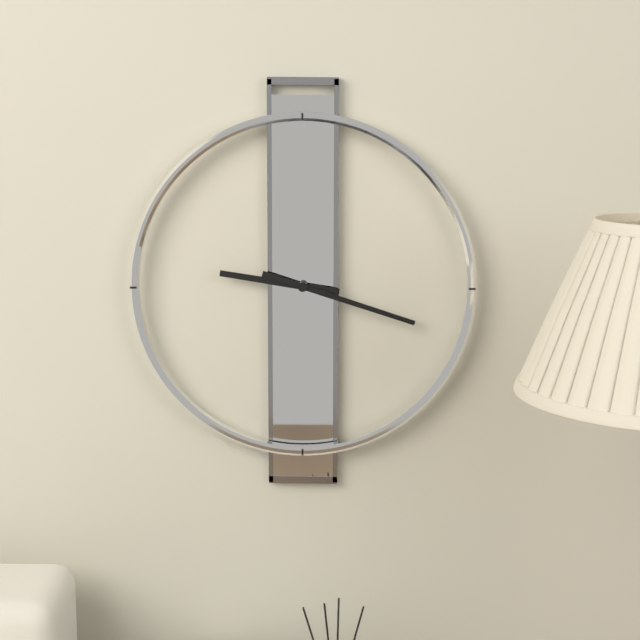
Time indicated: 9:18
